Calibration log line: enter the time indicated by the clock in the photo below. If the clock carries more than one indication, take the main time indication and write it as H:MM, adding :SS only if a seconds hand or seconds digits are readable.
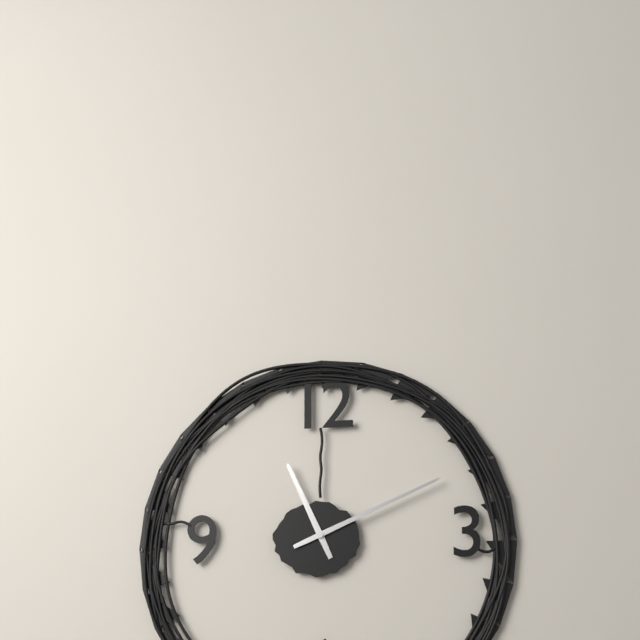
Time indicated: 11:11
